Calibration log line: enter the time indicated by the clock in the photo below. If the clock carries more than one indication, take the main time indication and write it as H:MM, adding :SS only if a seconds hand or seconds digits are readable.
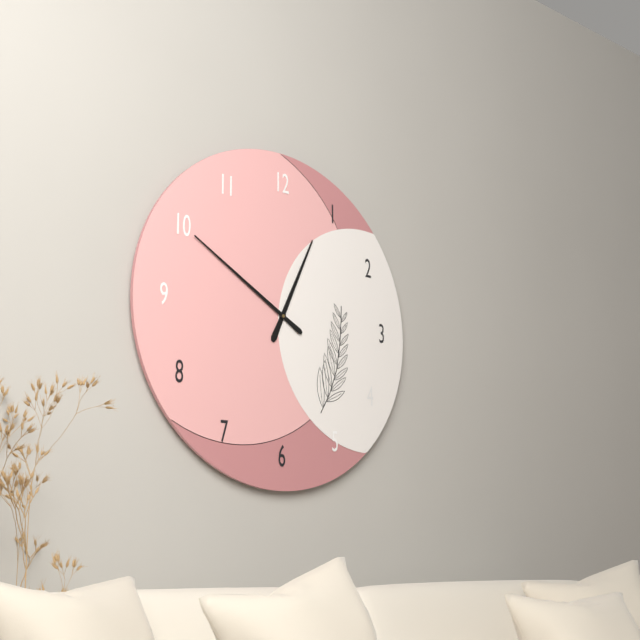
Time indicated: 12:50
